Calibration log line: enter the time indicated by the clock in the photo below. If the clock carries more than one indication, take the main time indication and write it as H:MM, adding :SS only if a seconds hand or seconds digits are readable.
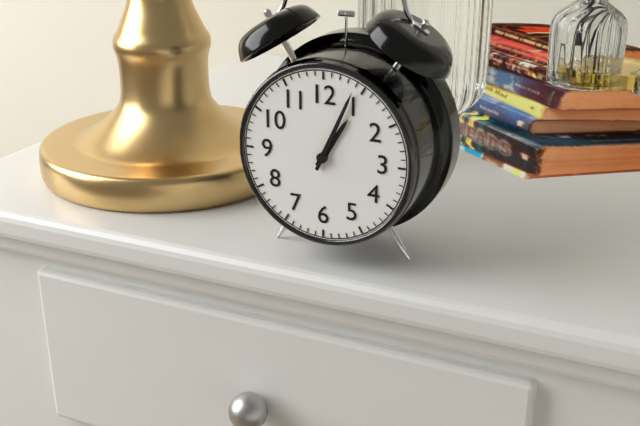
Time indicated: 1:04
